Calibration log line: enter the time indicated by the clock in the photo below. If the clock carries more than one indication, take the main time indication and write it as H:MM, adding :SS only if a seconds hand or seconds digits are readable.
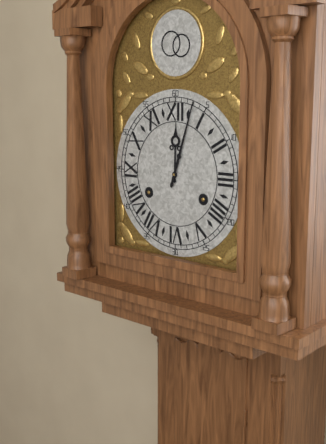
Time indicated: 12:03
